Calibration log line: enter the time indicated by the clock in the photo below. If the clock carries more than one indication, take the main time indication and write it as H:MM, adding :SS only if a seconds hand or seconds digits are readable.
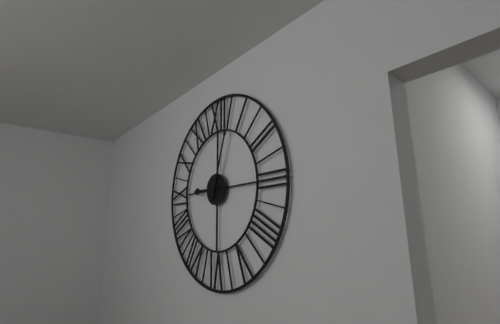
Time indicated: 9:03
